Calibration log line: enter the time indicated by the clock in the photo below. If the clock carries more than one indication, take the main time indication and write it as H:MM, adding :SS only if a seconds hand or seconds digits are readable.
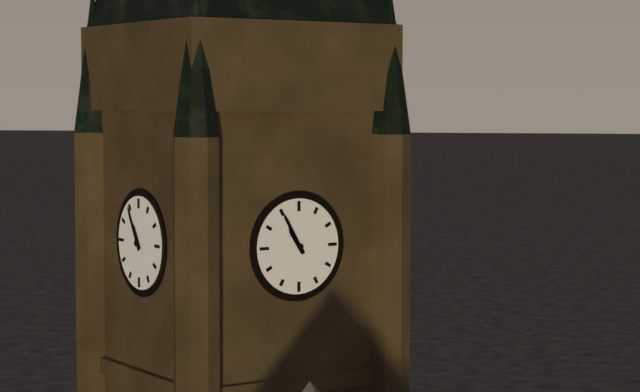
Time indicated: 10:55
